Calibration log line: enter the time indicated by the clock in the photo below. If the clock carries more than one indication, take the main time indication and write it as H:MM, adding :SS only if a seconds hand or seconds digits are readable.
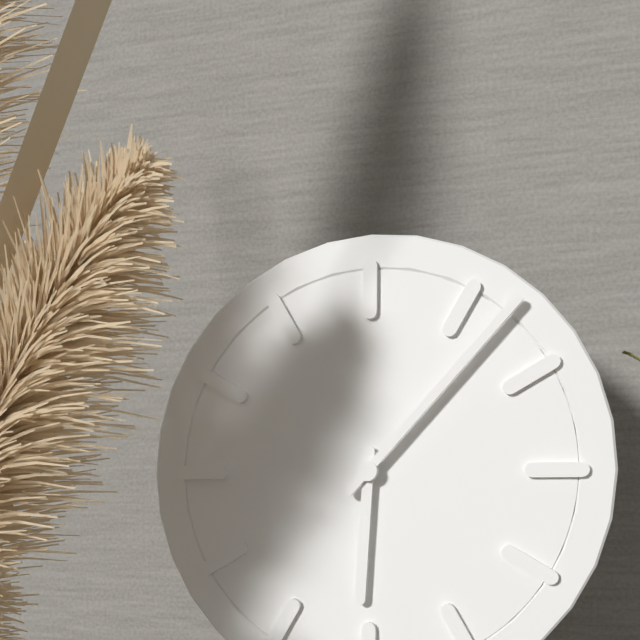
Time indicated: 6:07
